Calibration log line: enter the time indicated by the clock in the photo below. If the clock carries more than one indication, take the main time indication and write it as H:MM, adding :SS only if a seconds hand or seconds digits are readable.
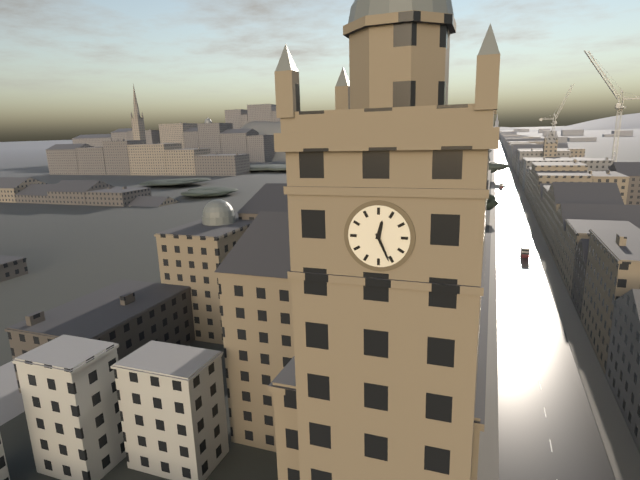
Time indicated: 12:26
